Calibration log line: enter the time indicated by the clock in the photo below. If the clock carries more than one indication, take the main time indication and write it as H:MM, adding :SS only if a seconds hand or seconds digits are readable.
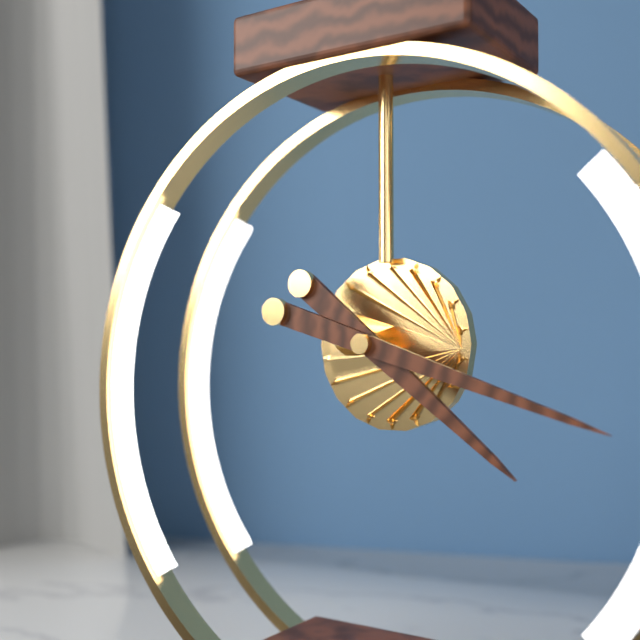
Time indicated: 4:18
